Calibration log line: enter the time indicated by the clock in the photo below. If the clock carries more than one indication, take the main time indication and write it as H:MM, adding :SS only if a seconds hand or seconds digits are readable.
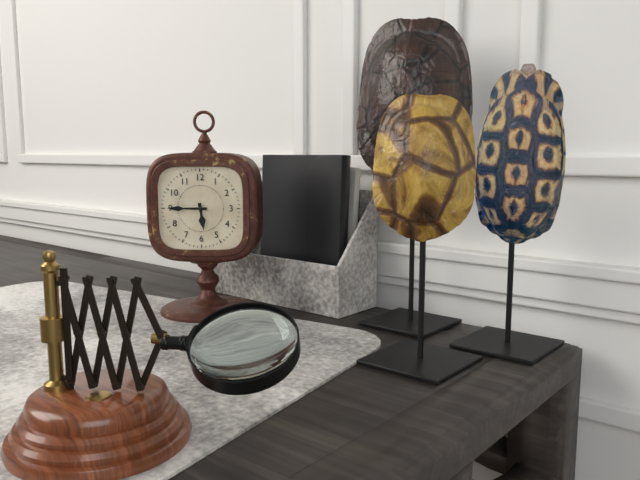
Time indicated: 5:45
